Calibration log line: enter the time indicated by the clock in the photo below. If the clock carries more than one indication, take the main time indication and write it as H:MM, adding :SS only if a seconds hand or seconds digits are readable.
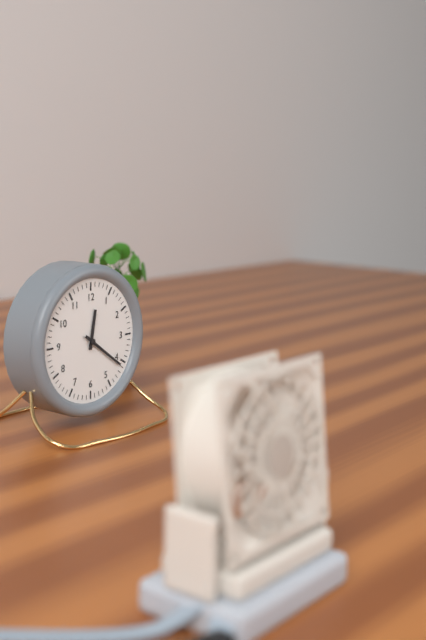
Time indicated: 12:21
